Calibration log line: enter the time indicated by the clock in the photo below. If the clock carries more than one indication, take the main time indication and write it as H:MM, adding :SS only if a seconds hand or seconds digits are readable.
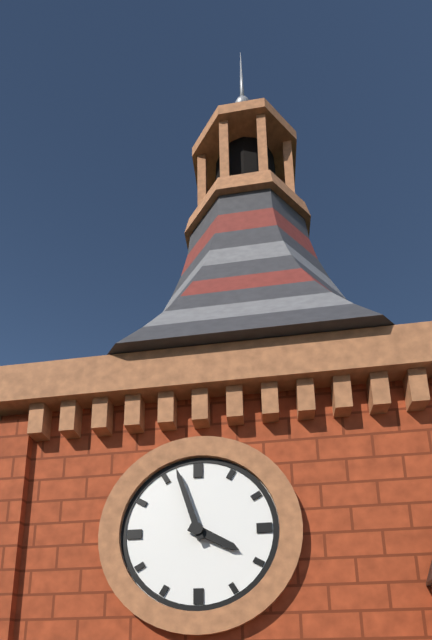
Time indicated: 3:57
